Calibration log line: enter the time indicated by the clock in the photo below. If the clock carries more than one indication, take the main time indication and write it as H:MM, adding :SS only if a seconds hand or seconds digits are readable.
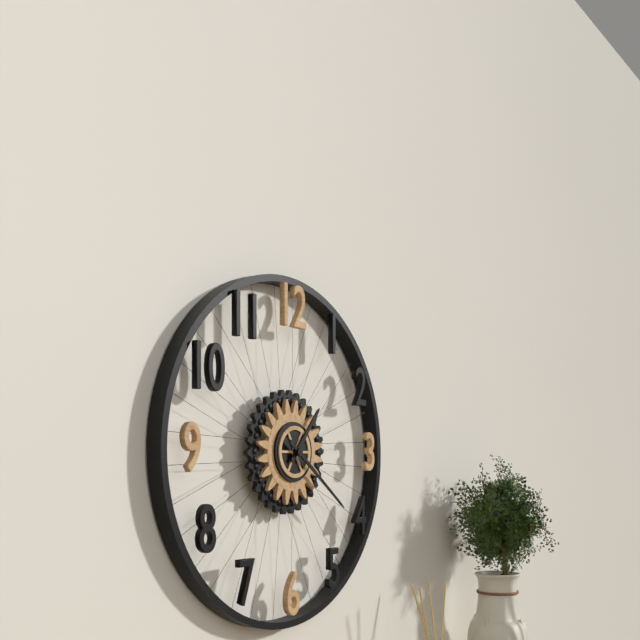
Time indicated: 1:21
